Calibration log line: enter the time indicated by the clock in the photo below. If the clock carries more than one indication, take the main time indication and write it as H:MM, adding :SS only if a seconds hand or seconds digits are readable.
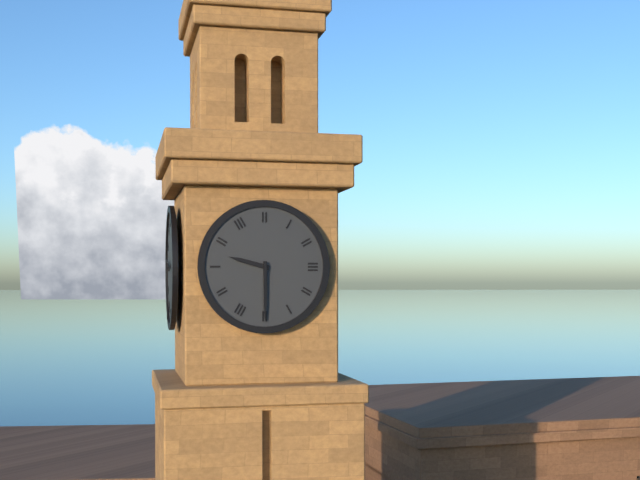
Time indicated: 9:30
